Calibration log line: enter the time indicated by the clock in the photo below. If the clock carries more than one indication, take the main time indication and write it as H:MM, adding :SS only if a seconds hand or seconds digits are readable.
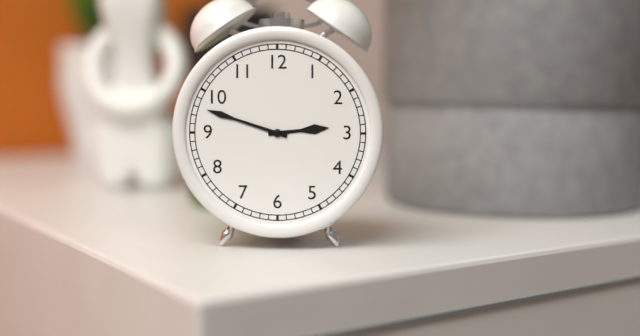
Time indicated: 2:48
